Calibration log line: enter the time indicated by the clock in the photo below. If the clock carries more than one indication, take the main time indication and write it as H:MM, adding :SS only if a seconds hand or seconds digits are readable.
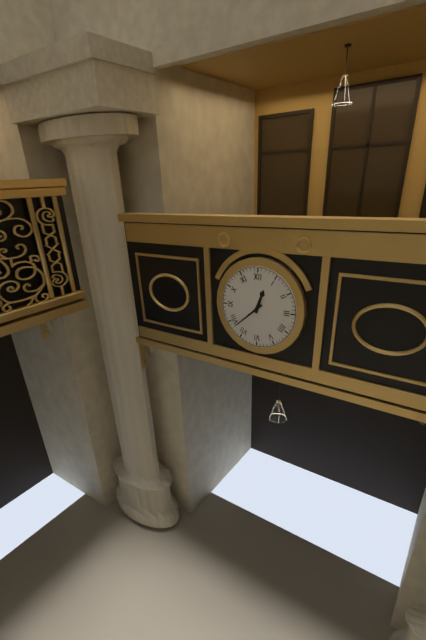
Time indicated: 12:38
